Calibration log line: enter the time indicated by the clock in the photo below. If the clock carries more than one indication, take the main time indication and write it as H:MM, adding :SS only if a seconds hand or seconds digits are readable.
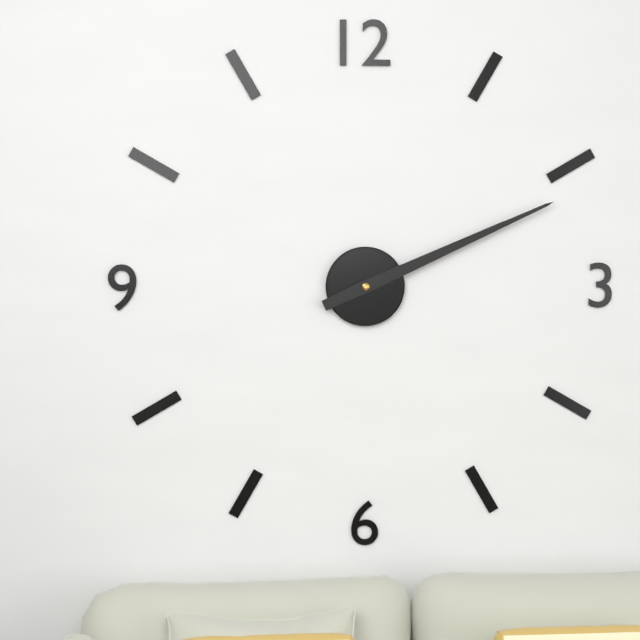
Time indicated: 2:11
